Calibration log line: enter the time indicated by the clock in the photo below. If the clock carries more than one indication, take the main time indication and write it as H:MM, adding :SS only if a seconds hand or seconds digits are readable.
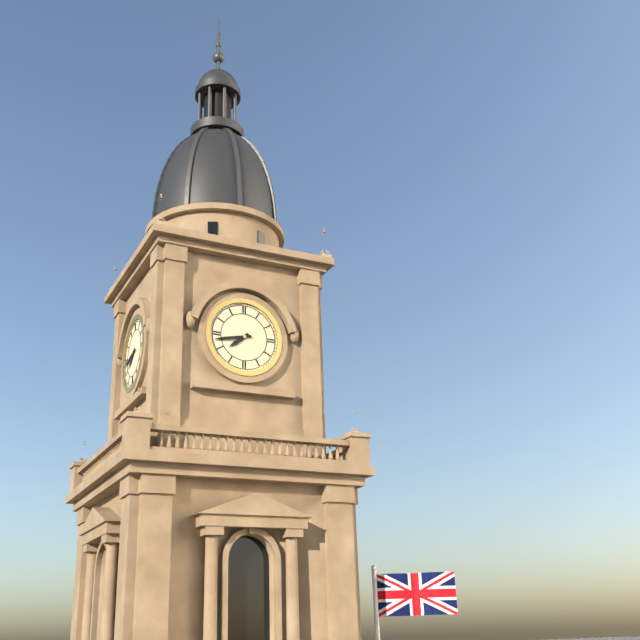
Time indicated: 7:43
